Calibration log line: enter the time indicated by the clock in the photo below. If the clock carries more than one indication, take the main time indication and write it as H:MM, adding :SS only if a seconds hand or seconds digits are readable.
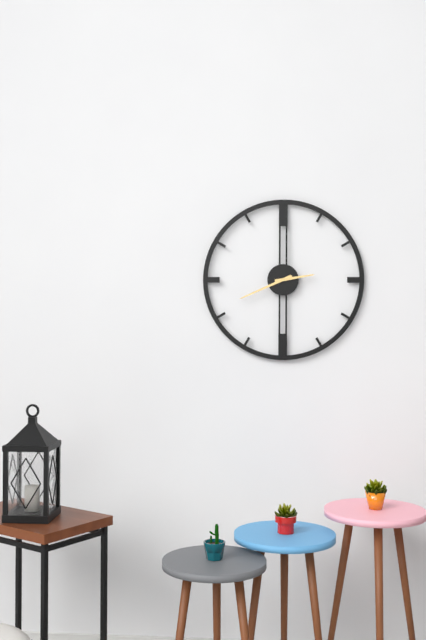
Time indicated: 2:41
